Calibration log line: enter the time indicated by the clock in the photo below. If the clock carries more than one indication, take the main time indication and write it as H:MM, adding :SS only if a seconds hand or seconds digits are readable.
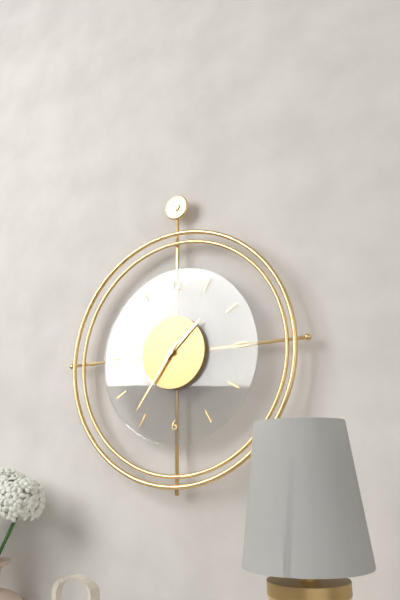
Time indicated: 1:36
